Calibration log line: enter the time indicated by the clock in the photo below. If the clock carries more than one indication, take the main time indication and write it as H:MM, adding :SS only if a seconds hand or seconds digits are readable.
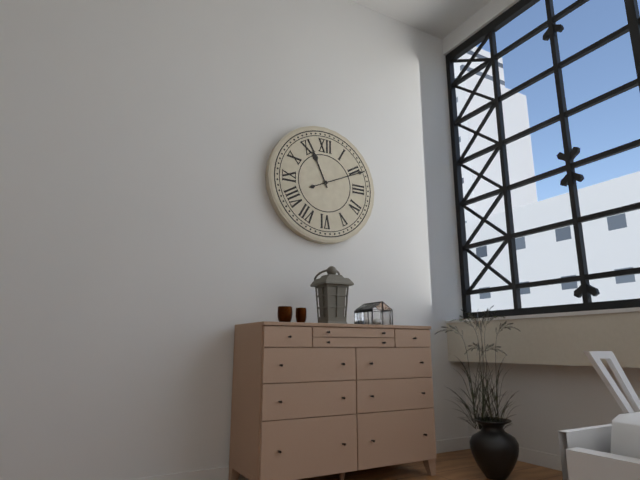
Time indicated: 11:11
